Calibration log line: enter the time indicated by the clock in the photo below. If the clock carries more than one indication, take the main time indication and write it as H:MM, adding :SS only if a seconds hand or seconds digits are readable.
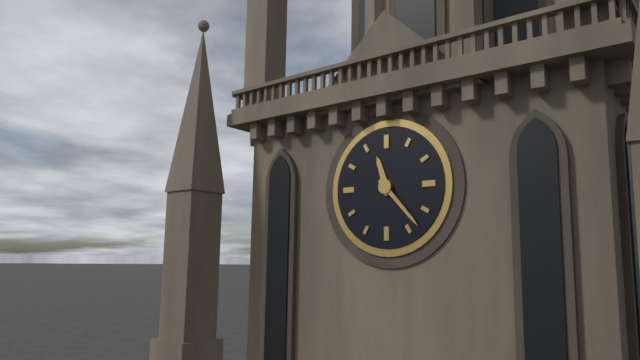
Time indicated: 11:23
